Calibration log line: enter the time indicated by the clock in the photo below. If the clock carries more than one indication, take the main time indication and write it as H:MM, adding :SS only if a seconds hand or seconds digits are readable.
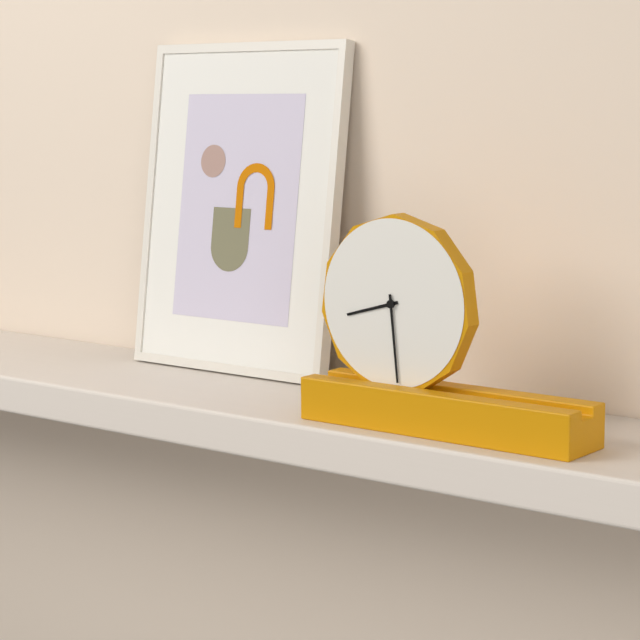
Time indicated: 8:29
